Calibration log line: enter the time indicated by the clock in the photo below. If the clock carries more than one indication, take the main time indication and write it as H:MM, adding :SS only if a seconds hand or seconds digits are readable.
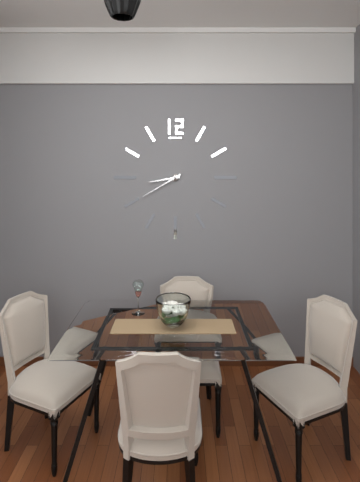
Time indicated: 8:40
